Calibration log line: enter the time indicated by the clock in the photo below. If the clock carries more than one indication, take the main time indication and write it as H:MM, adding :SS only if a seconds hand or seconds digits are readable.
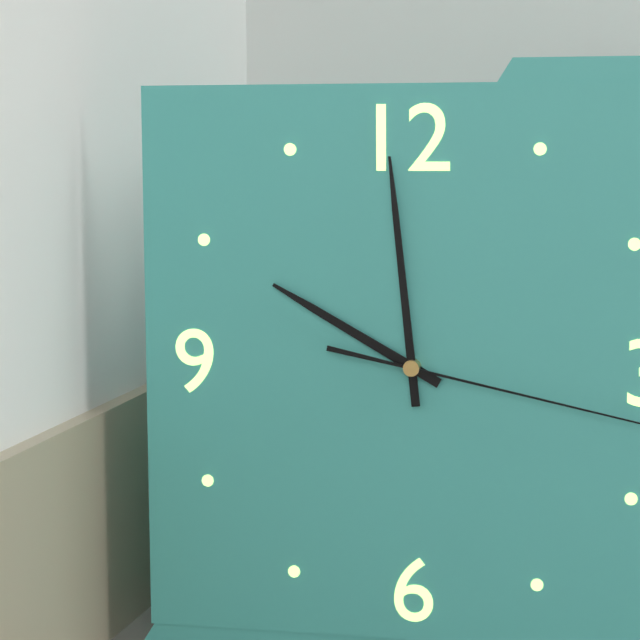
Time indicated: 9:59
